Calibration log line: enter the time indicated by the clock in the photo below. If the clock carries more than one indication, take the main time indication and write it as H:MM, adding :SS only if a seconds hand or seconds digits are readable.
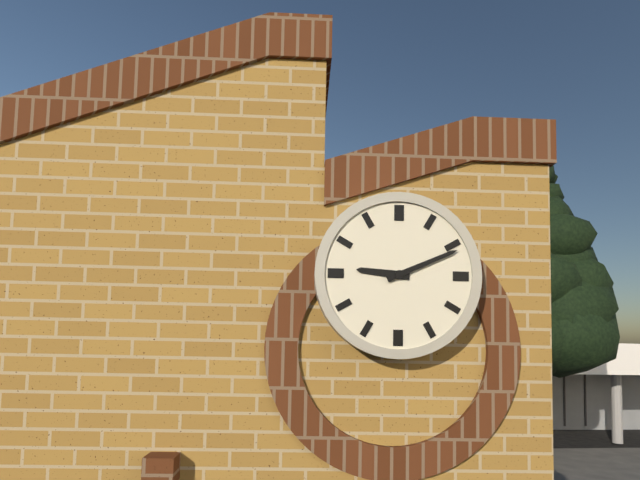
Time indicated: 9:11
